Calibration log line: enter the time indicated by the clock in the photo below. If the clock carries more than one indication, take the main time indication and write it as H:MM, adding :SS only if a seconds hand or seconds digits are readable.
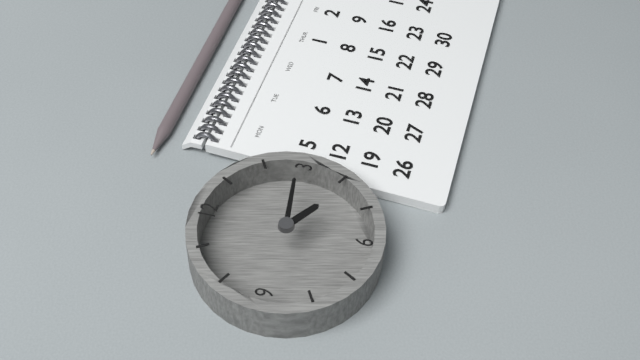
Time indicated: 4:14
